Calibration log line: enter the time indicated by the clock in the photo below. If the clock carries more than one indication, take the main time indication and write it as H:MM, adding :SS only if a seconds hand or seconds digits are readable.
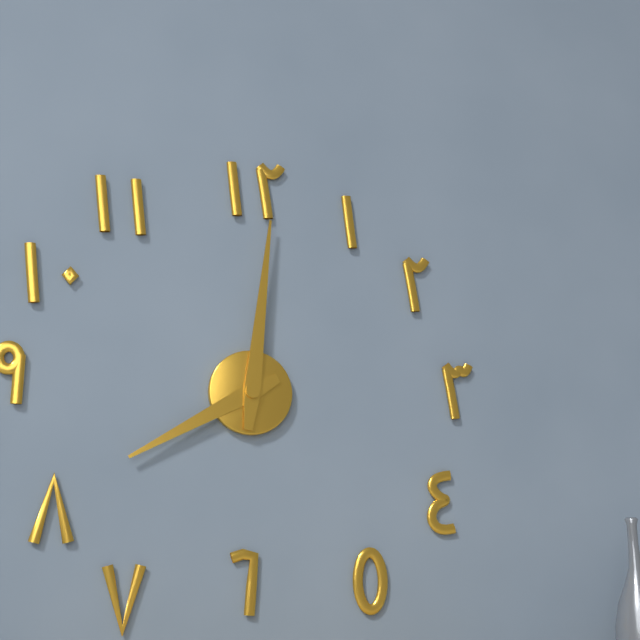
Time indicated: 8:01
